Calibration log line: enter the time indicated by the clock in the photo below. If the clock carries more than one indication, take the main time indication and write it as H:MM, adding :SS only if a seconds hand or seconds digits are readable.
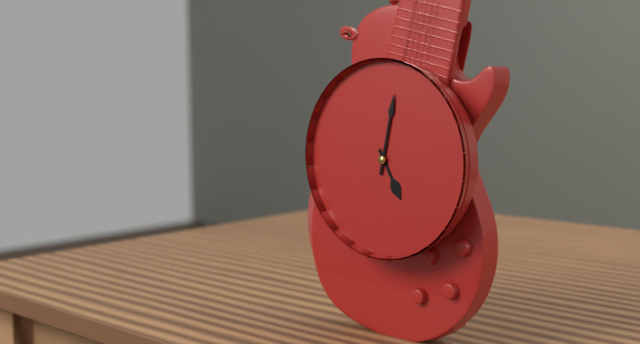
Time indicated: 5:02
